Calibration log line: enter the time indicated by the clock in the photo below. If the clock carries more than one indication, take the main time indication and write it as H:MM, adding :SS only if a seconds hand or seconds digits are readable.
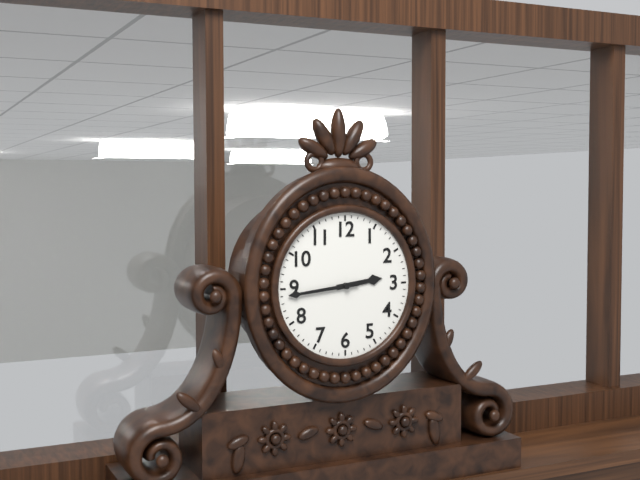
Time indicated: 2:44
